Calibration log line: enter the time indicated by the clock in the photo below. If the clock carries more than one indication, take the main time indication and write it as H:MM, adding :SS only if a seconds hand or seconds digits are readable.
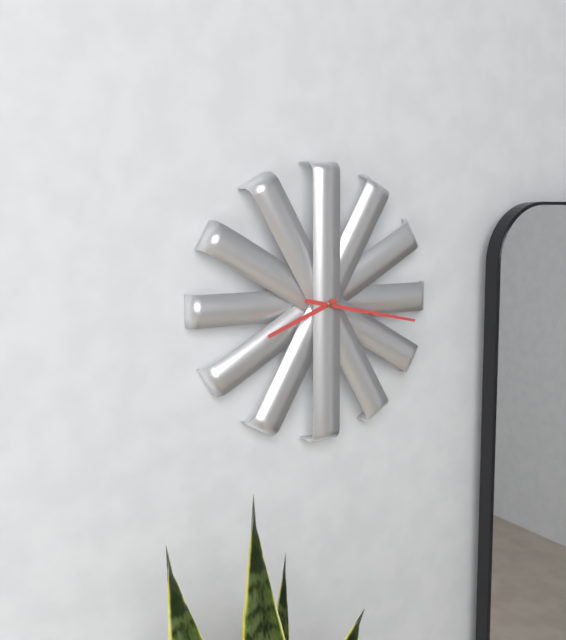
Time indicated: 8:17
